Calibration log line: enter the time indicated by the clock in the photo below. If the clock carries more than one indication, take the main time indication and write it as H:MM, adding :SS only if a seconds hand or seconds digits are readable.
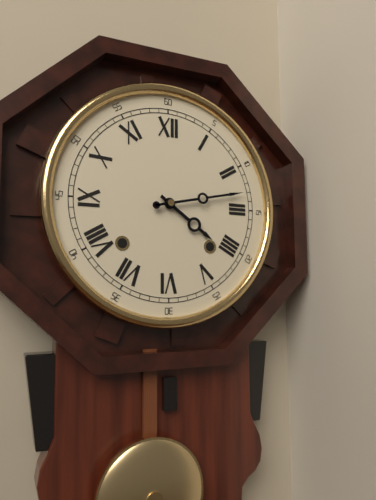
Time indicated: 4:13
